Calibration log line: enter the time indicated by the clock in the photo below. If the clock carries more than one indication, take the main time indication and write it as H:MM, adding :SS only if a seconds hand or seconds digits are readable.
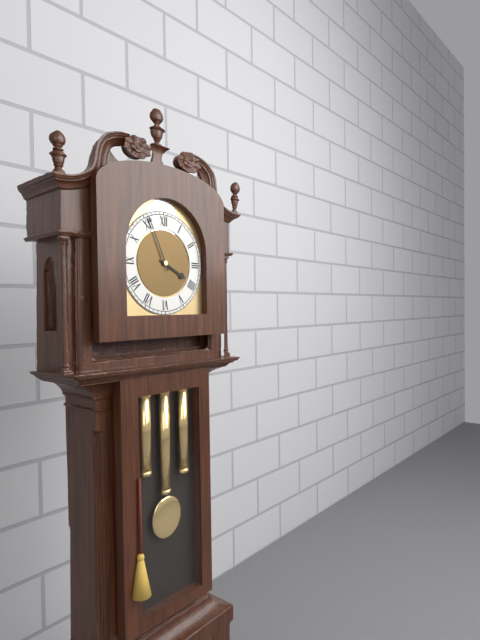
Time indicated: 3:56
